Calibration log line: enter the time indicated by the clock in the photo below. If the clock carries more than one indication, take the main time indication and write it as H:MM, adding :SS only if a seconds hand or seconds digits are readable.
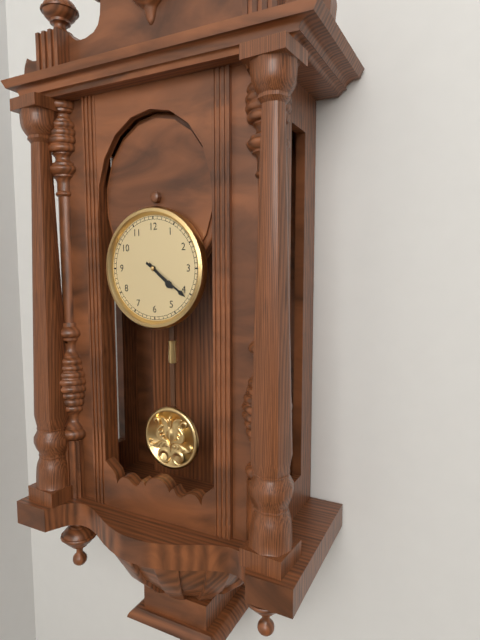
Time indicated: 4:21
